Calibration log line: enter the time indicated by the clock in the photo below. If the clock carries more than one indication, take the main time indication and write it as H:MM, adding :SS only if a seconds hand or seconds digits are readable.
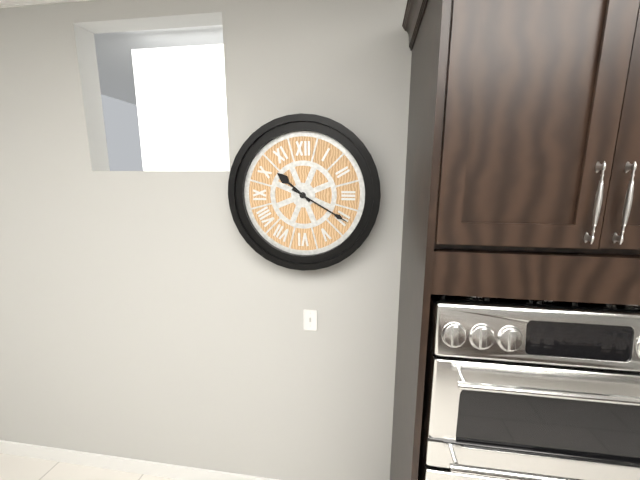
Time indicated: 10:20
